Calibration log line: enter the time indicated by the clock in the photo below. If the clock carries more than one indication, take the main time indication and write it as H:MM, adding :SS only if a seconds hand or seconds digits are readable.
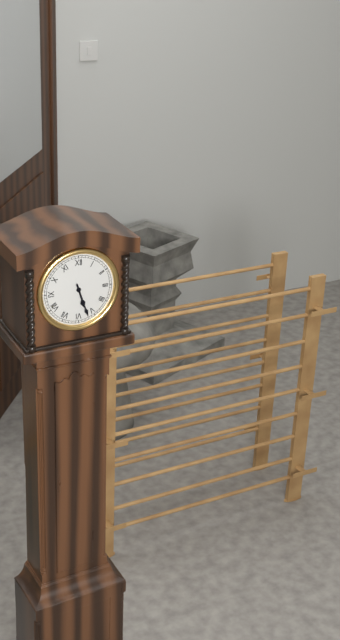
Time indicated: 5:27
